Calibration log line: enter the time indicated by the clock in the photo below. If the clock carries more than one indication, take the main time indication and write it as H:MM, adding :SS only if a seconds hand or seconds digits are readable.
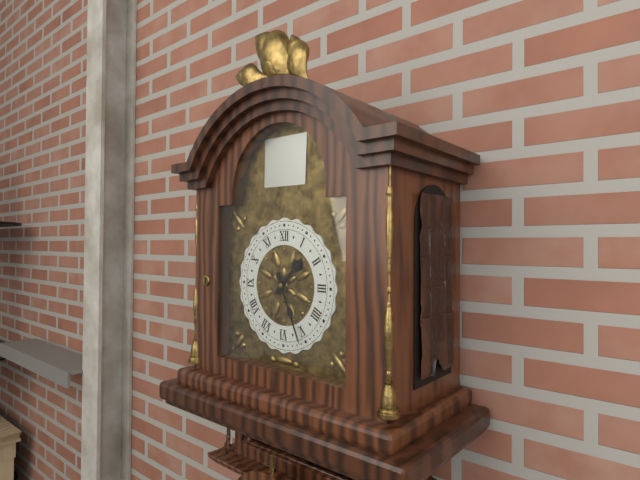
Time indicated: 1:26
